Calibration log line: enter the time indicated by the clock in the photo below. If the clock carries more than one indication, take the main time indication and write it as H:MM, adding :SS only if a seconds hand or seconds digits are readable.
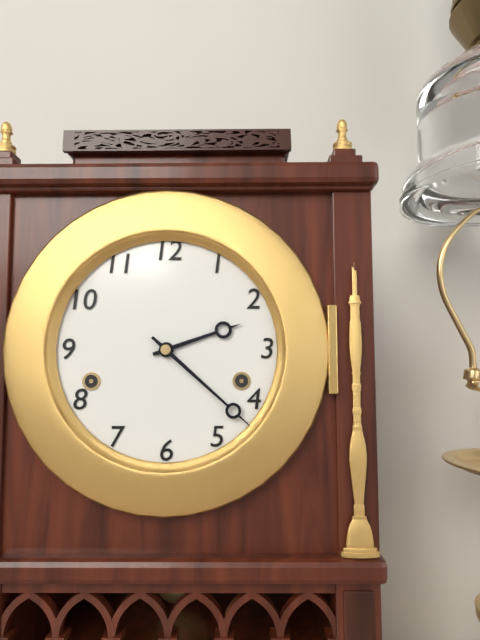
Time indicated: 2:22
